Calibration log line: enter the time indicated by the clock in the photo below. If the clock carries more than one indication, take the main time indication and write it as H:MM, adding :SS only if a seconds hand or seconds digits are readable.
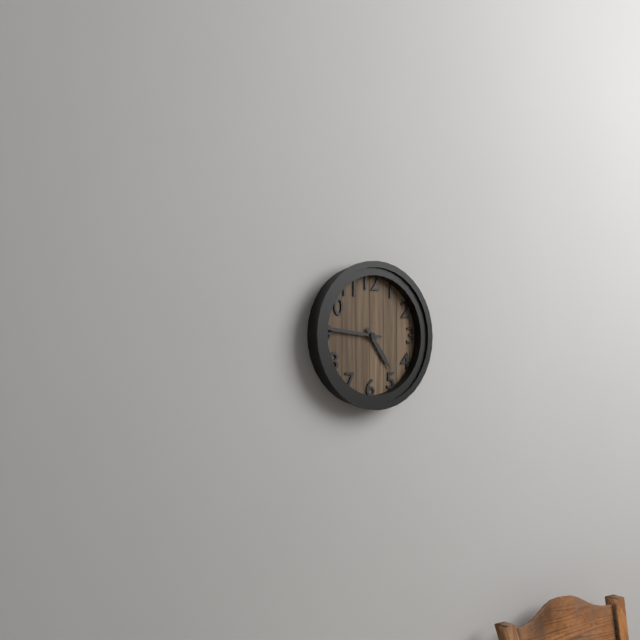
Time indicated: 4:46
